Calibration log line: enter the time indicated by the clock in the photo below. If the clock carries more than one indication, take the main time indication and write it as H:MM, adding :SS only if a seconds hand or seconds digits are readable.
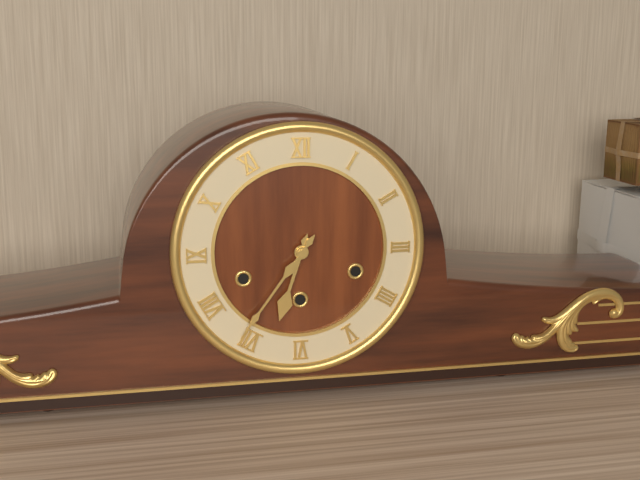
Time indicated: 6:36
